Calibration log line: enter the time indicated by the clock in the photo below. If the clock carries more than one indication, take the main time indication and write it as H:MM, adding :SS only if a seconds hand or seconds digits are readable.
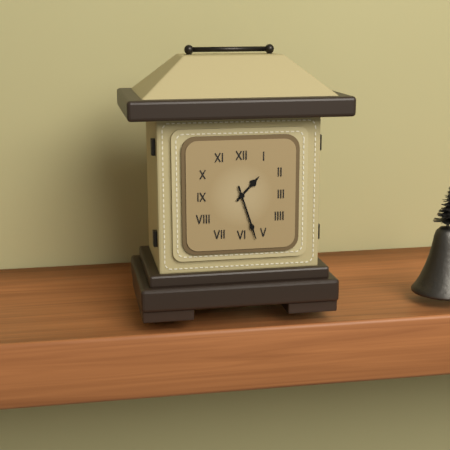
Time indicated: 1:27
